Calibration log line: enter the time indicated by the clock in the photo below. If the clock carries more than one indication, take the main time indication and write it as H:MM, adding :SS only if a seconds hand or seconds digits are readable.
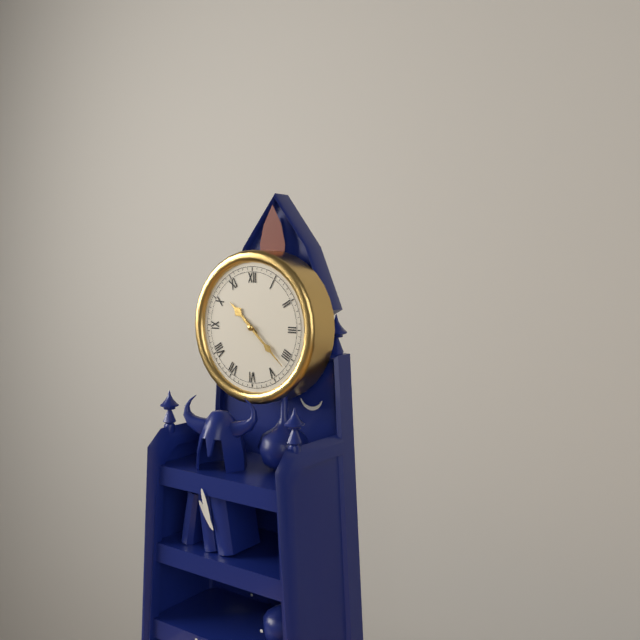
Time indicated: 10:22
